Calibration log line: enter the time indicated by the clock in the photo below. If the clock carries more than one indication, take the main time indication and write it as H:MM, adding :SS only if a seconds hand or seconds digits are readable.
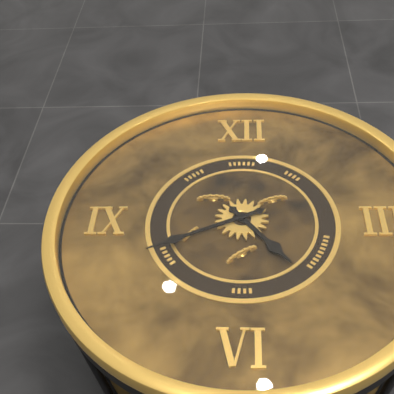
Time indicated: 4:41
